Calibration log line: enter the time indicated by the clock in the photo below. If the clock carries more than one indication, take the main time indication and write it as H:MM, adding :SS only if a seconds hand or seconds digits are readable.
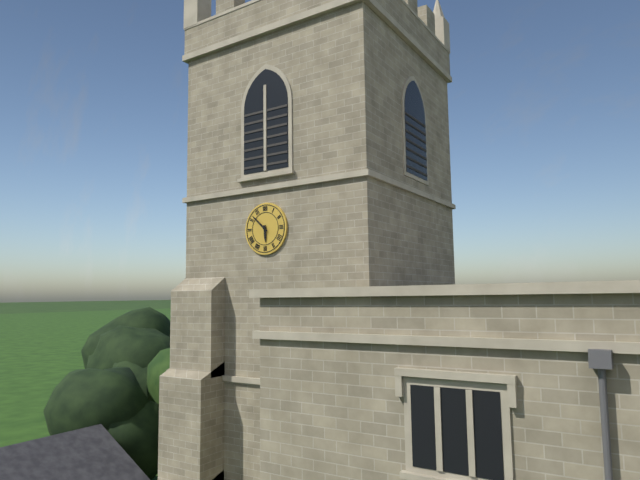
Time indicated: 5:52
